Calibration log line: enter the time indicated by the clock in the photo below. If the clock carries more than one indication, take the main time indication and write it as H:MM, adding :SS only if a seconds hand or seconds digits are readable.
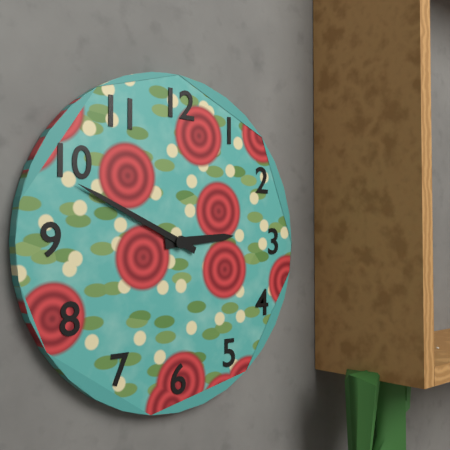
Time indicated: 2:49
